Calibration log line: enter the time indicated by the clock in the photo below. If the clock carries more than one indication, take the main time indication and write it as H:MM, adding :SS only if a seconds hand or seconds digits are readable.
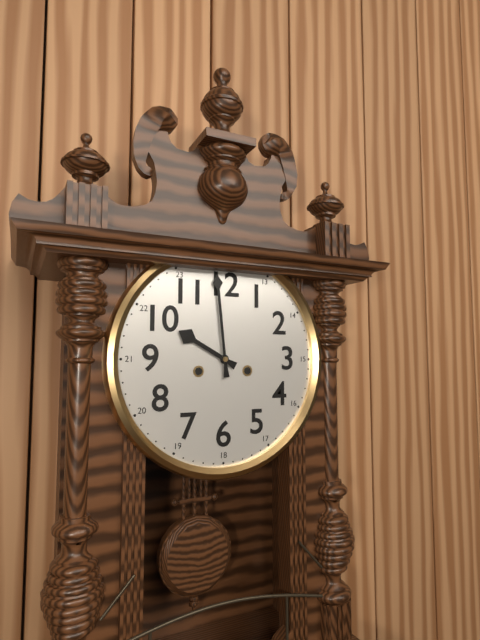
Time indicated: 9:59
